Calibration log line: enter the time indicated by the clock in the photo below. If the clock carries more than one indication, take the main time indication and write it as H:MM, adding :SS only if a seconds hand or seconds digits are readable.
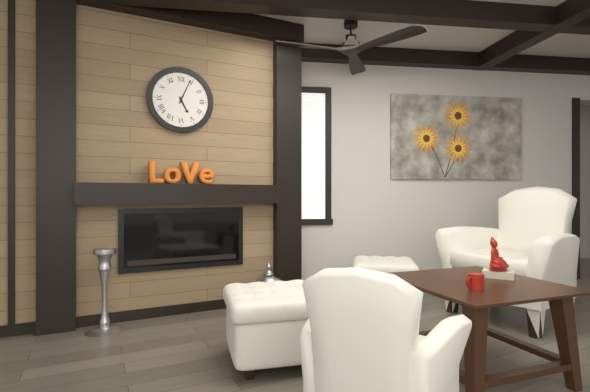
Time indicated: 5:04
